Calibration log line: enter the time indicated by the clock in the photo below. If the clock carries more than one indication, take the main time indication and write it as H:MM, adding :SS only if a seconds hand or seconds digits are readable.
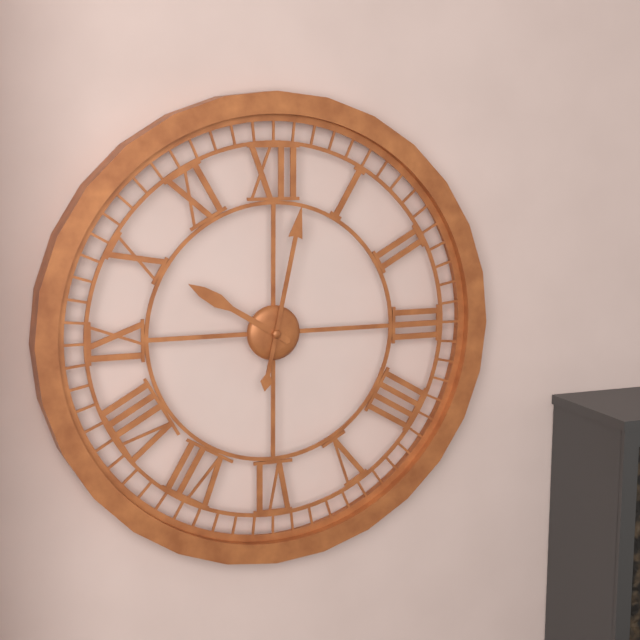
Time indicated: 10:02
